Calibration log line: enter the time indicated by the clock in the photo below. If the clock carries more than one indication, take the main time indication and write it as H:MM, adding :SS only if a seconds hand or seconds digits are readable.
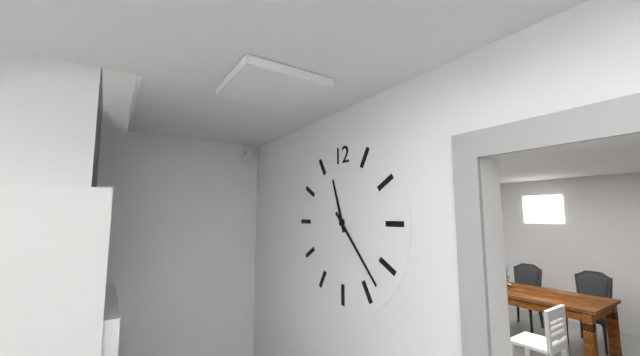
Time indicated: 11:23
